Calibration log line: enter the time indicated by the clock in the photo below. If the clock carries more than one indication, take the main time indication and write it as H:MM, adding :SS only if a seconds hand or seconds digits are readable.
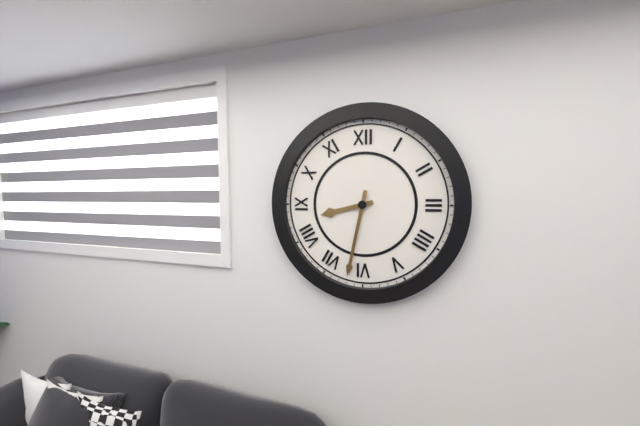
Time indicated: 8:32
